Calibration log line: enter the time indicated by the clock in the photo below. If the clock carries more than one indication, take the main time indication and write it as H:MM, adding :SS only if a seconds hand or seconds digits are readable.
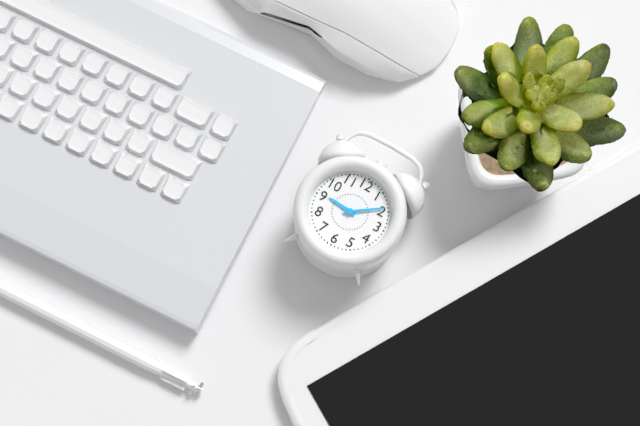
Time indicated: 9:09
